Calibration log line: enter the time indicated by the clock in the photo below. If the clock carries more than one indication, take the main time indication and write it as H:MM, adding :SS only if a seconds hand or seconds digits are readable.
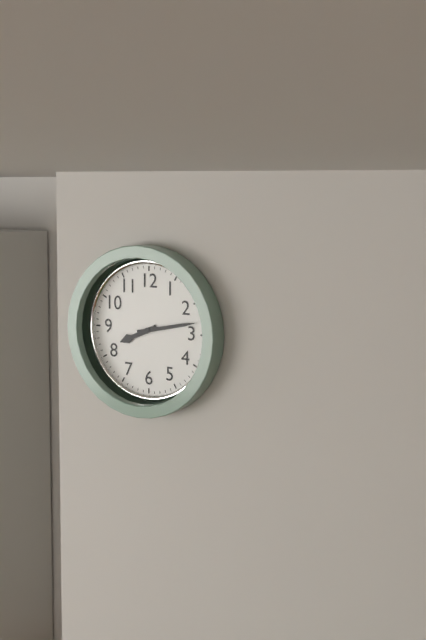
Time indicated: 8:13
